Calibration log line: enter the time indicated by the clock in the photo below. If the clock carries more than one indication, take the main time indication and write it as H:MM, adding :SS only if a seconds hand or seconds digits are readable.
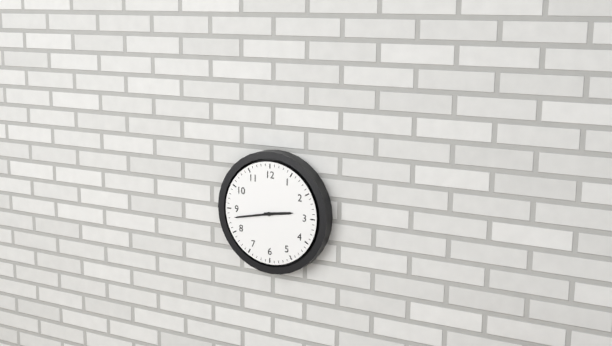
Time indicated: 2:43
